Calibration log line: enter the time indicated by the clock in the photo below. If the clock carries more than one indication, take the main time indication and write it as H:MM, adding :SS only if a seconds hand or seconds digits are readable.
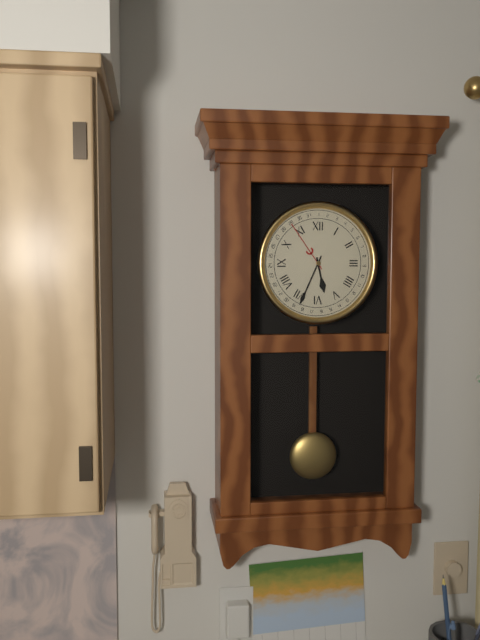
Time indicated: 5:34
